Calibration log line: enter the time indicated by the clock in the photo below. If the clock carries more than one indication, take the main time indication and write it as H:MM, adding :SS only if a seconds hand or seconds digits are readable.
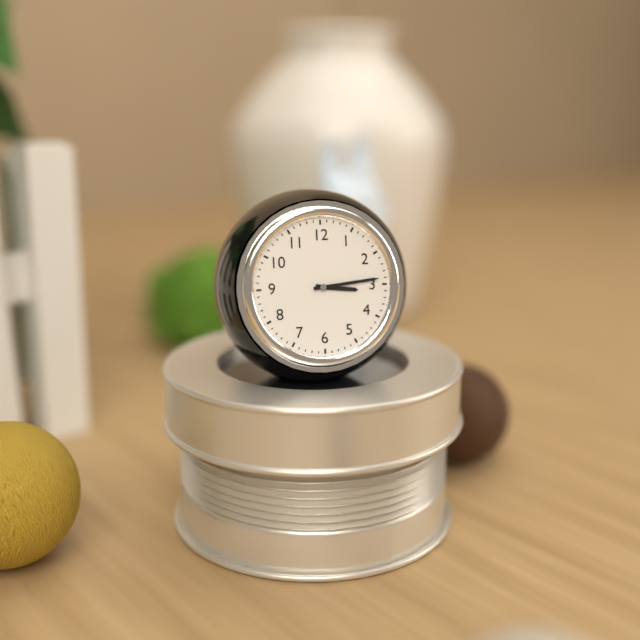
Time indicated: 3:14
